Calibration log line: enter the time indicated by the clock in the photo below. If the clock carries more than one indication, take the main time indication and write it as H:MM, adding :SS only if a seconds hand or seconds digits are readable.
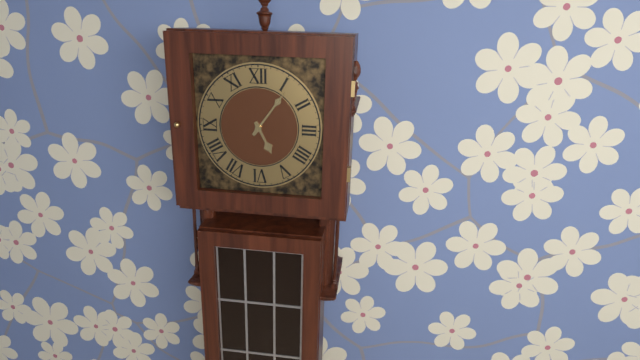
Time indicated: 5:06
